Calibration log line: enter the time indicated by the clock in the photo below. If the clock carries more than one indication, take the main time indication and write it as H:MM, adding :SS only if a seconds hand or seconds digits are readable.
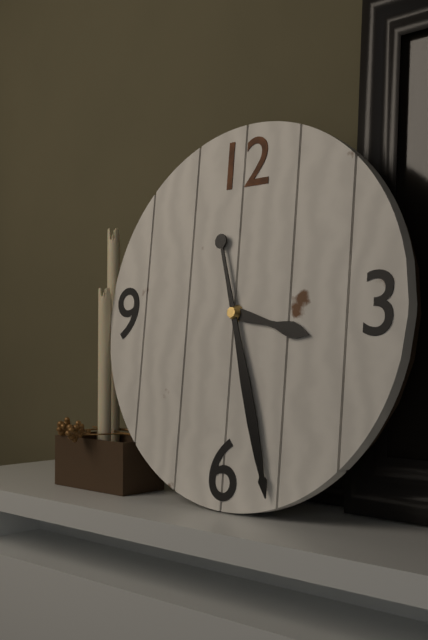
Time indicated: 3:27
